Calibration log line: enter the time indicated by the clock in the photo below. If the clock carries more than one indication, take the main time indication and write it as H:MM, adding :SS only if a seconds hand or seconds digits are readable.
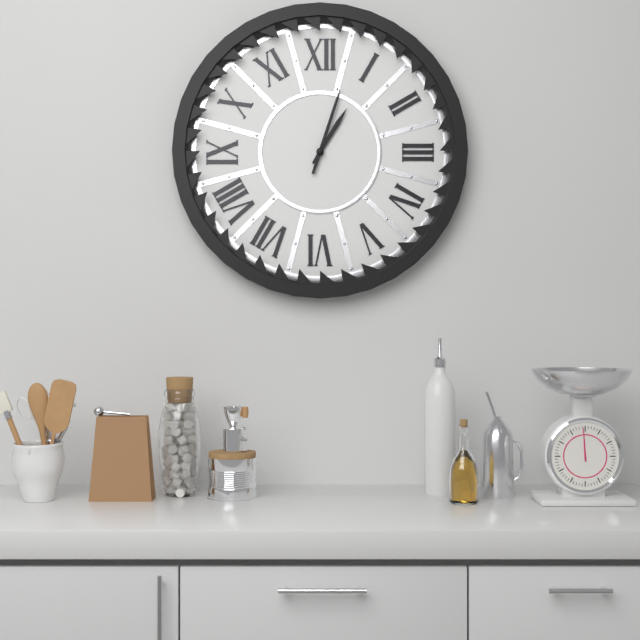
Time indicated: 1:03
